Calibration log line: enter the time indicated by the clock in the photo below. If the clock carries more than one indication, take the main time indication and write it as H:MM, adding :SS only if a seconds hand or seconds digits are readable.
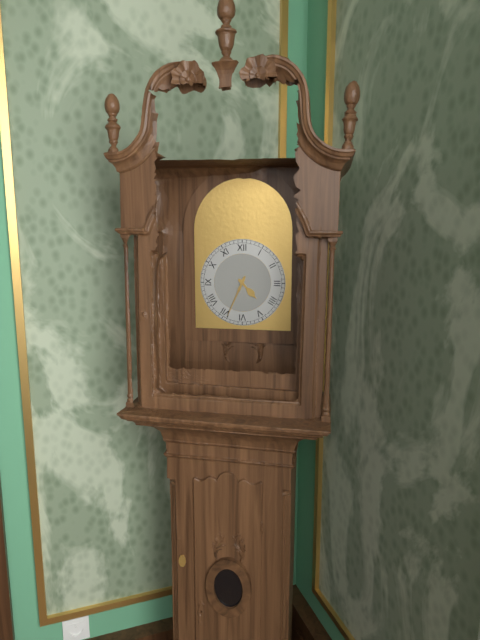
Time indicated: 4:34
